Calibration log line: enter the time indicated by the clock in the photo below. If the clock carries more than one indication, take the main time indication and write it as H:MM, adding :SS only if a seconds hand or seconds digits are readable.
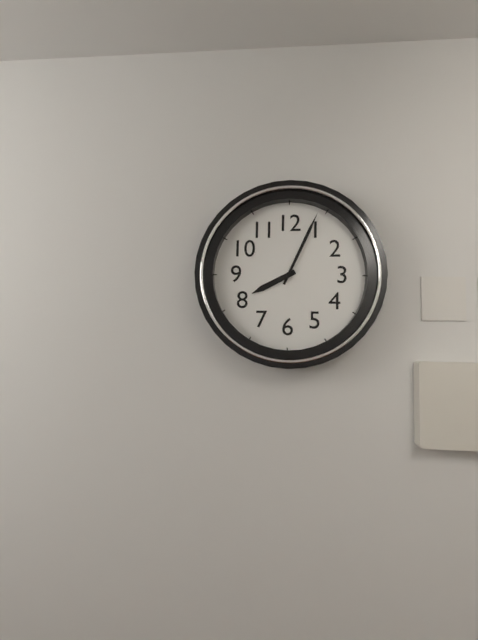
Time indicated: 8:04
